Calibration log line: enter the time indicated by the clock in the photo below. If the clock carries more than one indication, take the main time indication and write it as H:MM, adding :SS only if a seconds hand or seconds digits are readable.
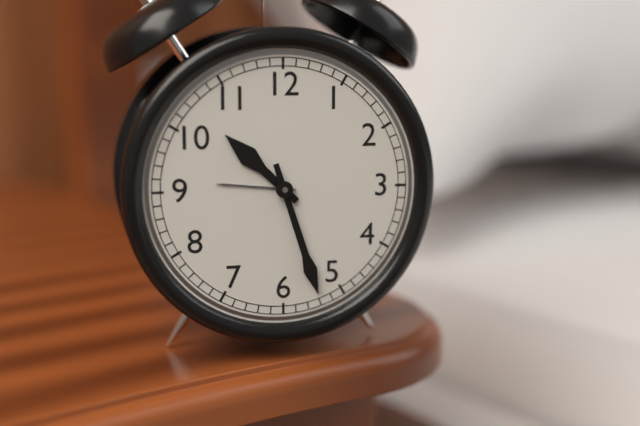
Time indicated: 10:27
